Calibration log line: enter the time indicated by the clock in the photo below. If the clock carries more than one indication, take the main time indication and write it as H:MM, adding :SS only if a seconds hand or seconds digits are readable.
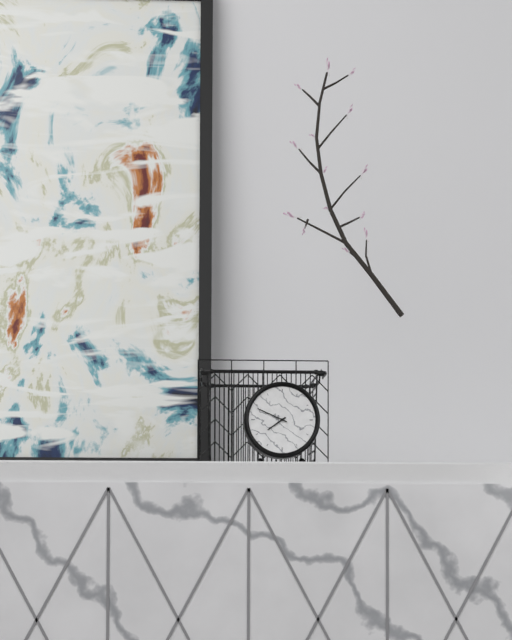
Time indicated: 7:49
